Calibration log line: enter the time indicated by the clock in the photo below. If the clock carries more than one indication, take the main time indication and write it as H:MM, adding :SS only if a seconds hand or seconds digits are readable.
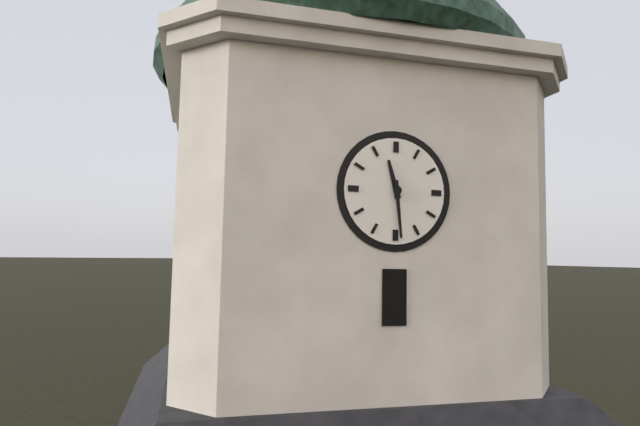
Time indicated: 11:29
